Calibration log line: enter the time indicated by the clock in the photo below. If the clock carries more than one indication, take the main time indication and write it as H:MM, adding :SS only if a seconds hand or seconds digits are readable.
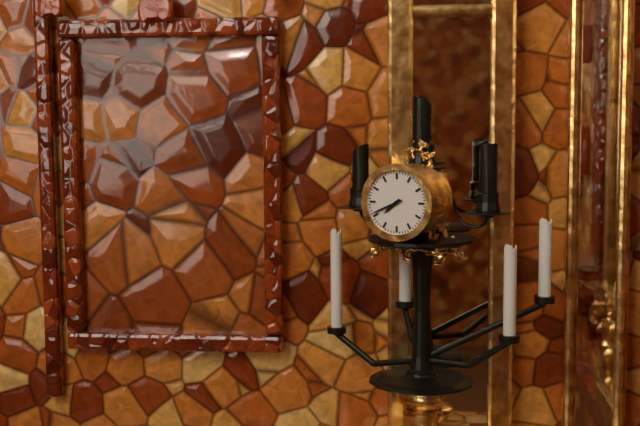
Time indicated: 7:41
